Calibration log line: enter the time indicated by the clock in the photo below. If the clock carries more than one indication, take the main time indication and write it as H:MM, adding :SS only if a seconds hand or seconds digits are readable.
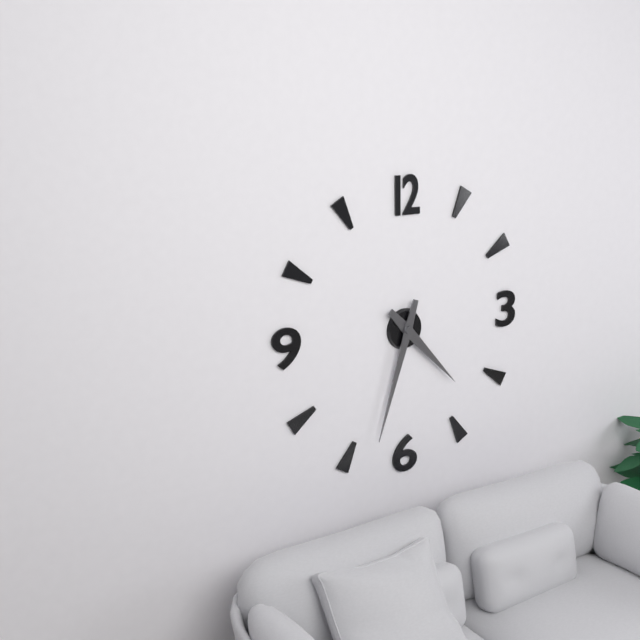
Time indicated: 4:33
